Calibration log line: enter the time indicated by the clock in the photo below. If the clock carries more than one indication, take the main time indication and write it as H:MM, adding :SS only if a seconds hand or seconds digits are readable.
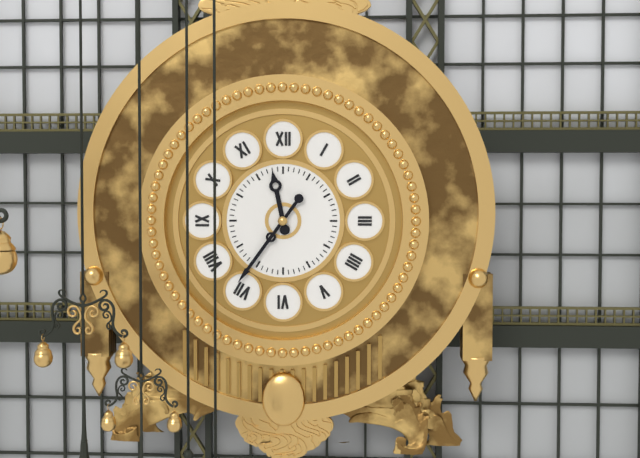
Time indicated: 11:36
